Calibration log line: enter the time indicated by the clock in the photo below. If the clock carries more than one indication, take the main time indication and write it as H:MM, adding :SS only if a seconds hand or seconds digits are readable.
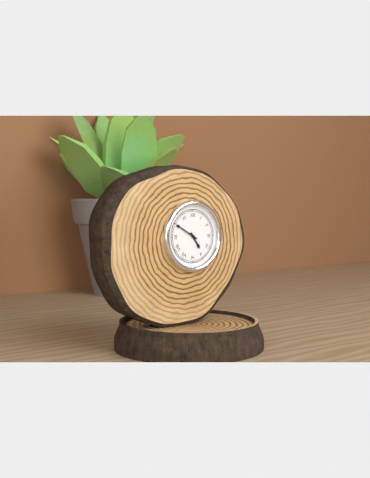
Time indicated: 4:50
